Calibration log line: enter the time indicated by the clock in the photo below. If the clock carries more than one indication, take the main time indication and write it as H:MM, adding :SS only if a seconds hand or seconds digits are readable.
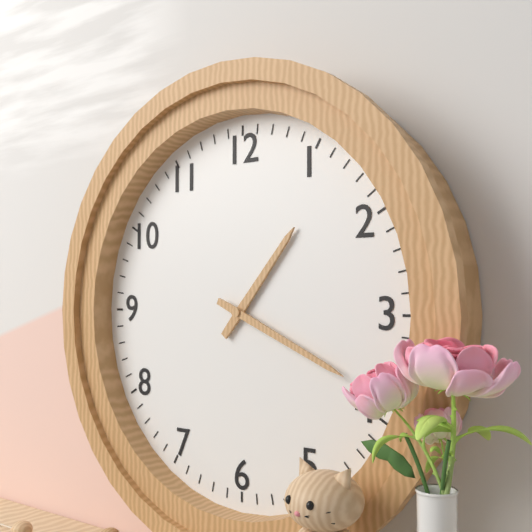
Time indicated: 1:19
